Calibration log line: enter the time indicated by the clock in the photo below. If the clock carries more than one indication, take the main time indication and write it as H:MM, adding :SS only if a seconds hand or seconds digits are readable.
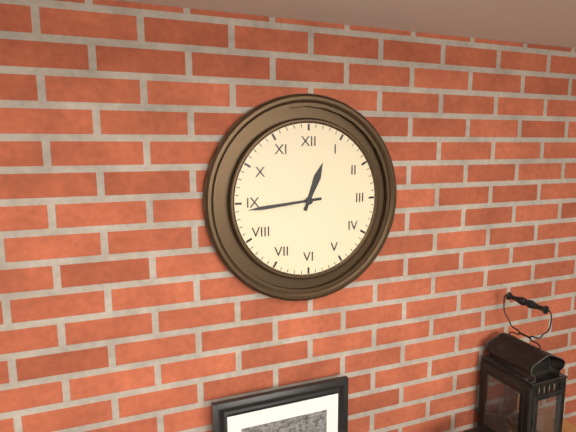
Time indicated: 12:44
